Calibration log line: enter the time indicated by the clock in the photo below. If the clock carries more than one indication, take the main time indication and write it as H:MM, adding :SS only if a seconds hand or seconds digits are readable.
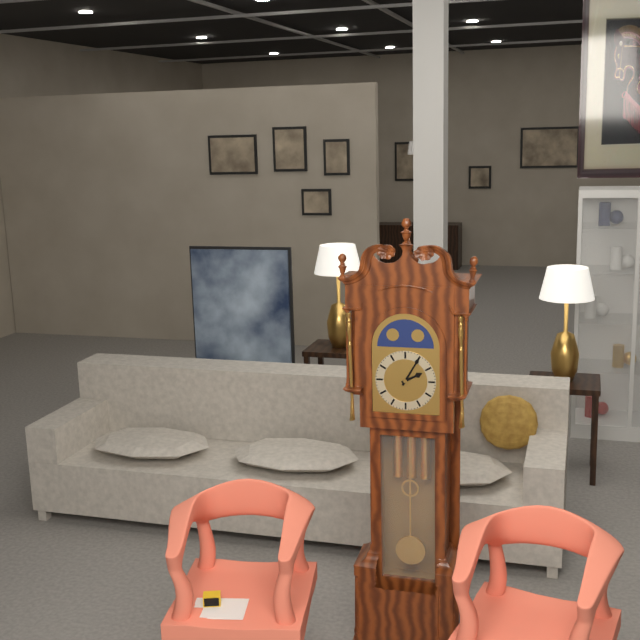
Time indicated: 2:05
